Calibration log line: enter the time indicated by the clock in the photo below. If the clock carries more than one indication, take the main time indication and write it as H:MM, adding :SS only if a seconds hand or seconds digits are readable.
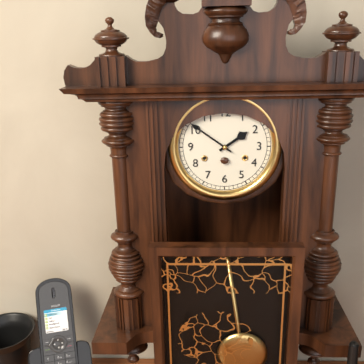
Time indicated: 1:51
